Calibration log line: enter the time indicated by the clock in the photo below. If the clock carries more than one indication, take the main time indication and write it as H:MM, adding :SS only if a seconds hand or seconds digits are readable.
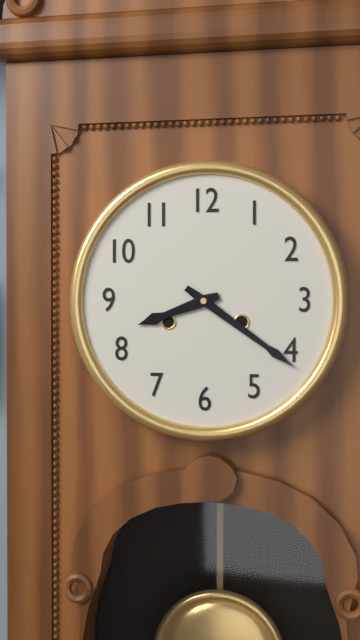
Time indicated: 8:21
